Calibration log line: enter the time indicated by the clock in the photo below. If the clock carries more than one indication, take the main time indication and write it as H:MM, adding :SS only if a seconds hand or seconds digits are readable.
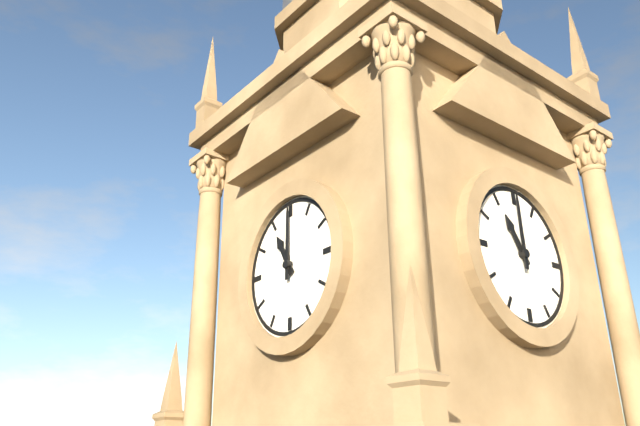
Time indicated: 11:00
